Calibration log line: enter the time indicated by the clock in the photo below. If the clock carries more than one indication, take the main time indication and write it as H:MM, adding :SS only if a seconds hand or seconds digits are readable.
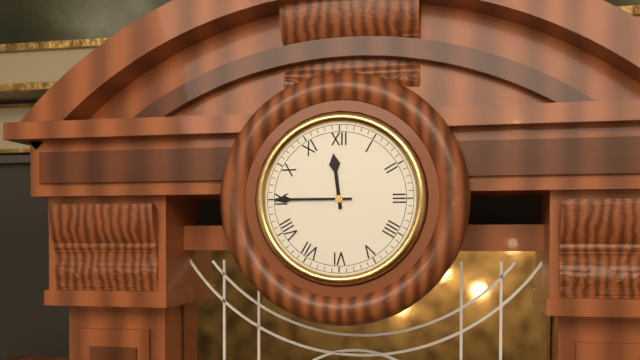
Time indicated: 11:45
